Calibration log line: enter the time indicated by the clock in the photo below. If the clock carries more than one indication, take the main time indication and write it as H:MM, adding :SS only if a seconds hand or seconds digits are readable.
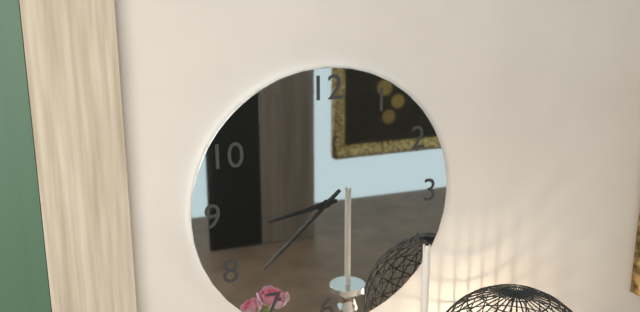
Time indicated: 8:38
